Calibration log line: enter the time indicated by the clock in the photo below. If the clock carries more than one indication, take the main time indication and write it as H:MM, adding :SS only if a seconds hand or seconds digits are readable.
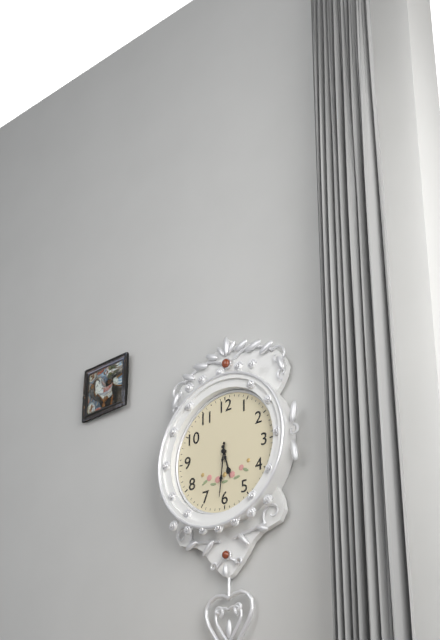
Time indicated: 5:31
